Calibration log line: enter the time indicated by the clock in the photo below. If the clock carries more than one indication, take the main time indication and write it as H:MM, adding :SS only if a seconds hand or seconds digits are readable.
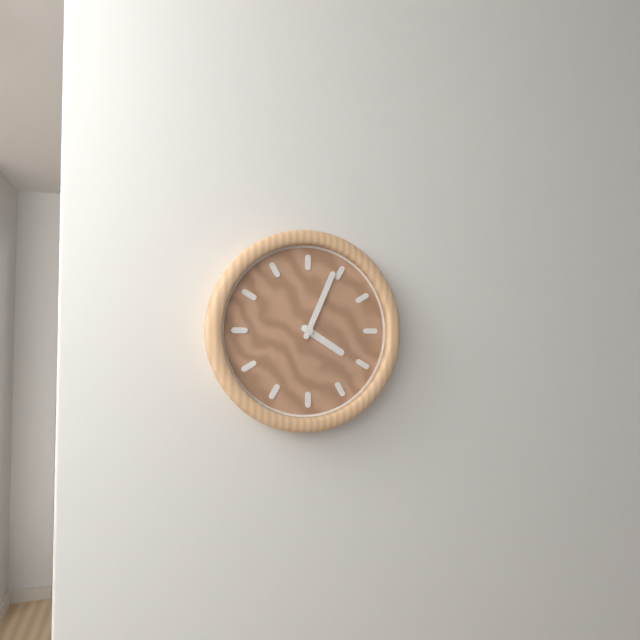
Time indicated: 4:04
